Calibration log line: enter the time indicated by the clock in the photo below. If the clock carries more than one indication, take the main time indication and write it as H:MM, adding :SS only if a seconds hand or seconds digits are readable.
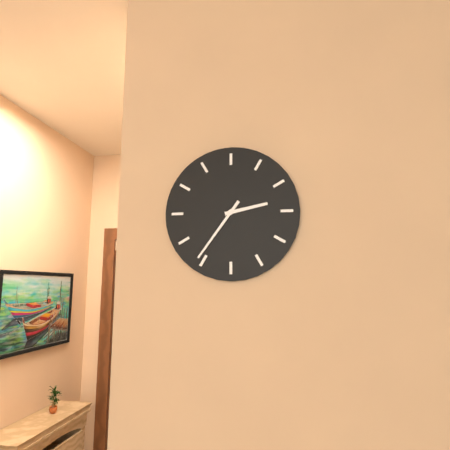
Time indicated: 2:36
